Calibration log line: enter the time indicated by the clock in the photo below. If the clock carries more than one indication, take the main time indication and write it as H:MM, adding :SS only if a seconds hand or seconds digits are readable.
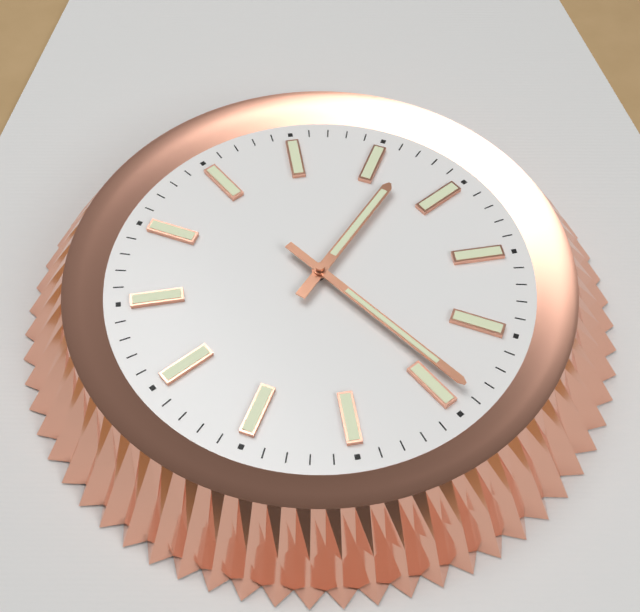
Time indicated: 1:24
